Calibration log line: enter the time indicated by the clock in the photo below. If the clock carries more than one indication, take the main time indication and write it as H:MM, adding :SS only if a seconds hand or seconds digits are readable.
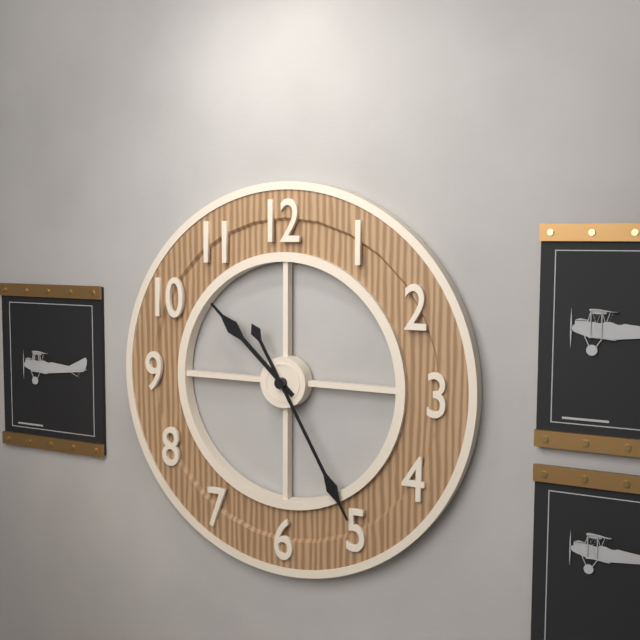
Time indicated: 10:25
